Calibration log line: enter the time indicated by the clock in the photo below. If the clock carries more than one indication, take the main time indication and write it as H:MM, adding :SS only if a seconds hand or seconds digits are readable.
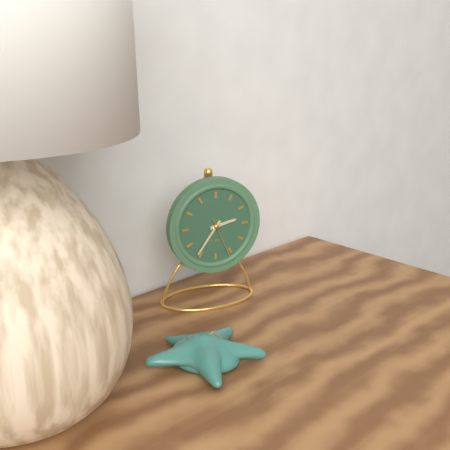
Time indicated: 2:36
